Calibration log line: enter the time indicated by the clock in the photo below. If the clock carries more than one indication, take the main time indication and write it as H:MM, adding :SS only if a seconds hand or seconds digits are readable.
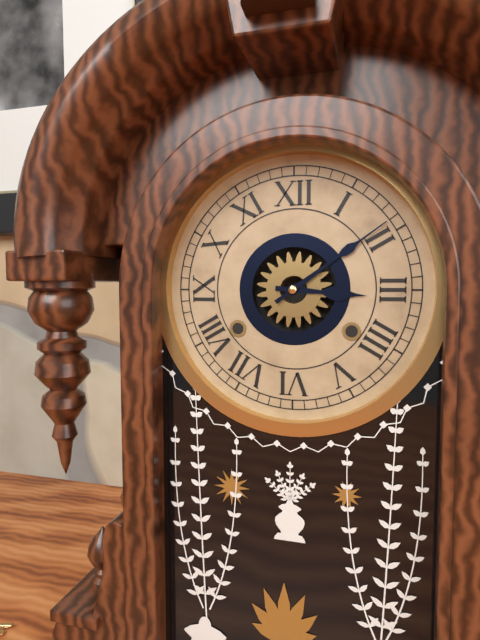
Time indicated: 3:09
